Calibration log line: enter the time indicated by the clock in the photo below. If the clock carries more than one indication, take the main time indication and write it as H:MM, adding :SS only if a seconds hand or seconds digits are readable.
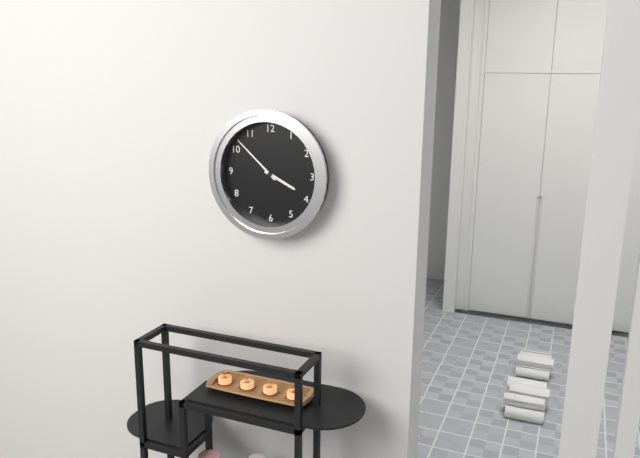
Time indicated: 3:52
